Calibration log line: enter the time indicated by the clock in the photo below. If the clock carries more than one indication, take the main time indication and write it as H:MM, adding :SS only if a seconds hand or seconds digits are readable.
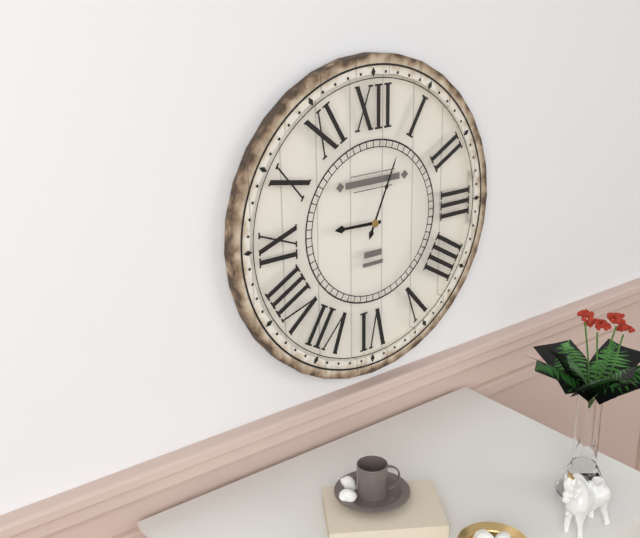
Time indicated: 9:04
